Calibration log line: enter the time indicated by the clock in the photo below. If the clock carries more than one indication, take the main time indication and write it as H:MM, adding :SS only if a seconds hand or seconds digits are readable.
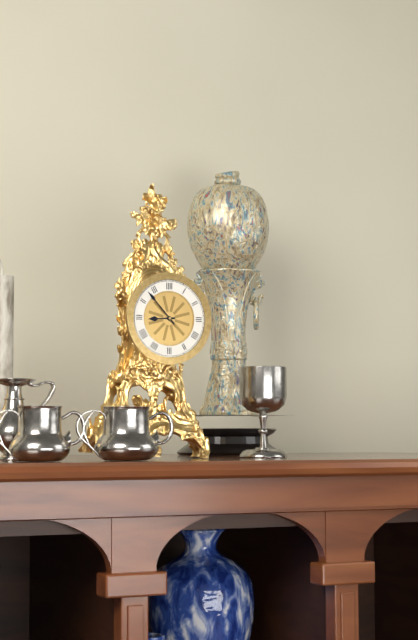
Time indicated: 8:53
